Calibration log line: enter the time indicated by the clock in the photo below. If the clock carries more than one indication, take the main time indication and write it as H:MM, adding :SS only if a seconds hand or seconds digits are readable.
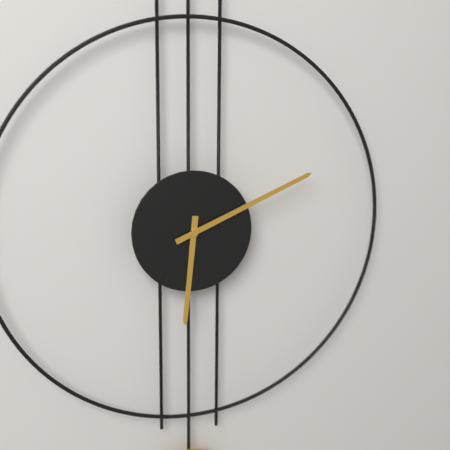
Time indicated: 6:11
